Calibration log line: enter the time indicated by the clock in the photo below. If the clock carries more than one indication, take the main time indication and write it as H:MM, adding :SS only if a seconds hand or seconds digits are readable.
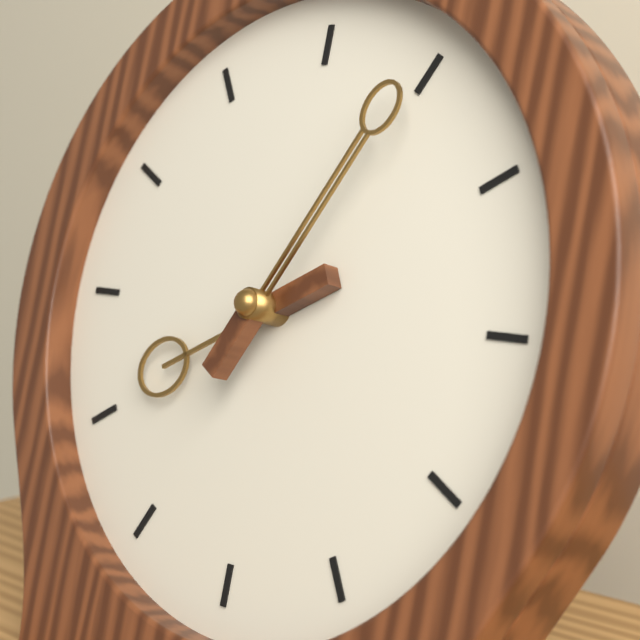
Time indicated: 8:05
